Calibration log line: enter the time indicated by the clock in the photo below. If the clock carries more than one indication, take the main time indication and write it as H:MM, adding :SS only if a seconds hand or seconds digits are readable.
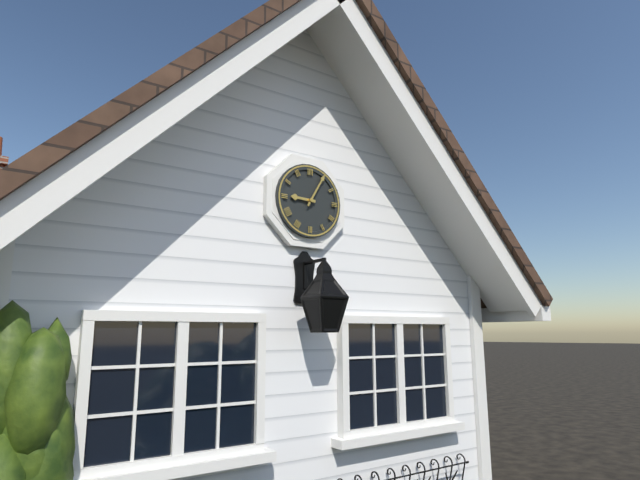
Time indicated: 9:05
